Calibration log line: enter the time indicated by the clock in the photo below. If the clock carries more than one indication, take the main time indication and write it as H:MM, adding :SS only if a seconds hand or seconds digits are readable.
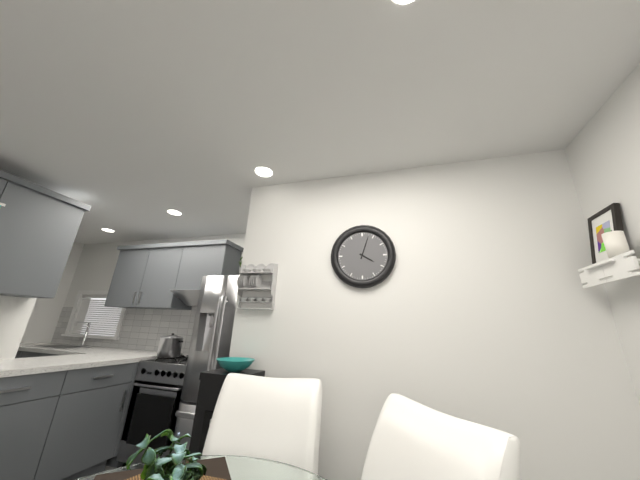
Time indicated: 4:03
